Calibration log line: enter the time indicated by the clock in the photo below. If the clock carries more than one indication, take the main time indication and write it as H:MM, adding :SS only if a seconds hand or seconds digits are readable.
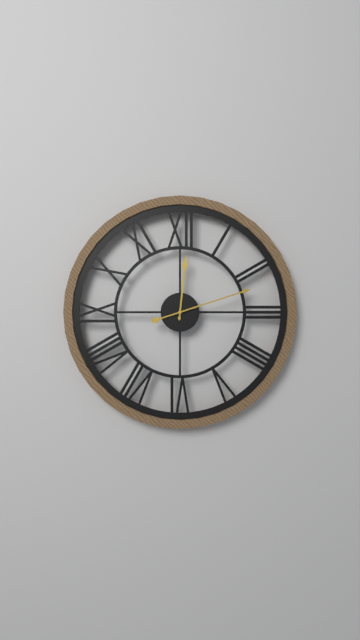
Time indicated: 12:12
